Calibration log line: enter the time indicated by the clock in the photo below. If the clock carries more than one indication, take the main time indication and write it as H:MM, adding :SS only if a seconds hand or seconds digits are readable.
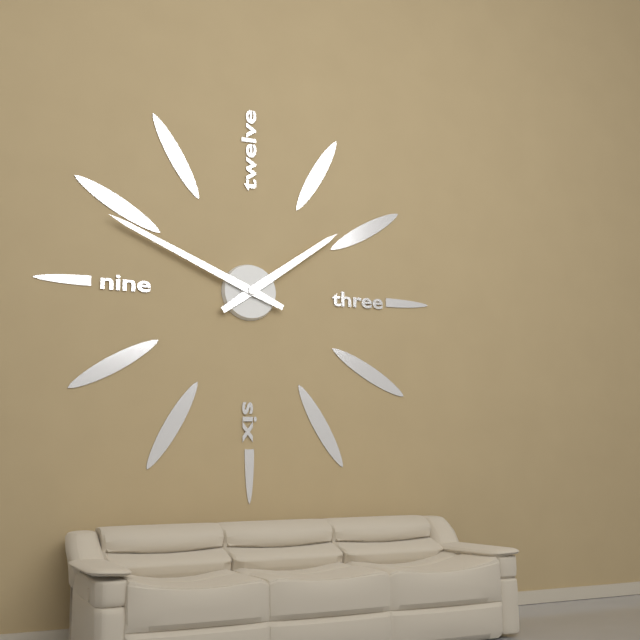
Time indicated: 1:49
